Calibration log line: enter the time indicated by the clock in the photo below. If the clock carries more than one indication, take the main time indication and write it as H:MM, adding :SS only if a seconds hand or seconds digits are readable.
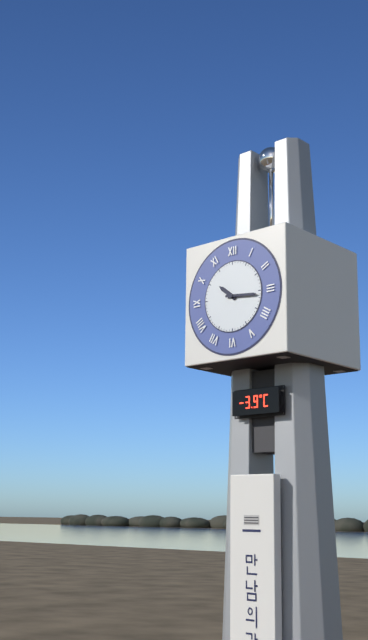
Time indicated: 10:16
